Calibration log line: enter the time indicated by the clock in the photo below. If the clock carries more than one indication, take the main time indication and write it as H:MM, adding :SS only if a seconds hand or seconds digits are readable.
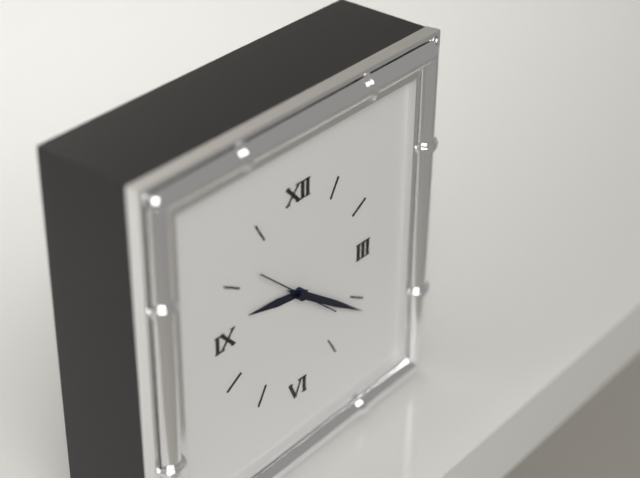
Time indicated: 9:21
